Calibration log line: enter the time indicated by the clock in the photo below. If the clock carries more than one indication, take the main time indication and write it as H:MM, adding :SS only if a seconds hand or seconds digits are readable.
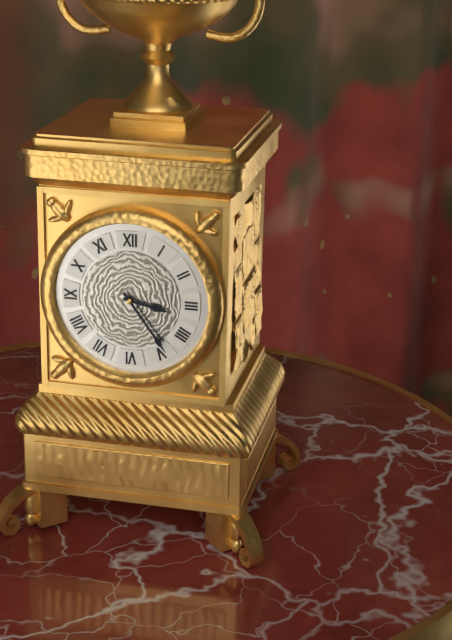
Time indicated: 3:24
